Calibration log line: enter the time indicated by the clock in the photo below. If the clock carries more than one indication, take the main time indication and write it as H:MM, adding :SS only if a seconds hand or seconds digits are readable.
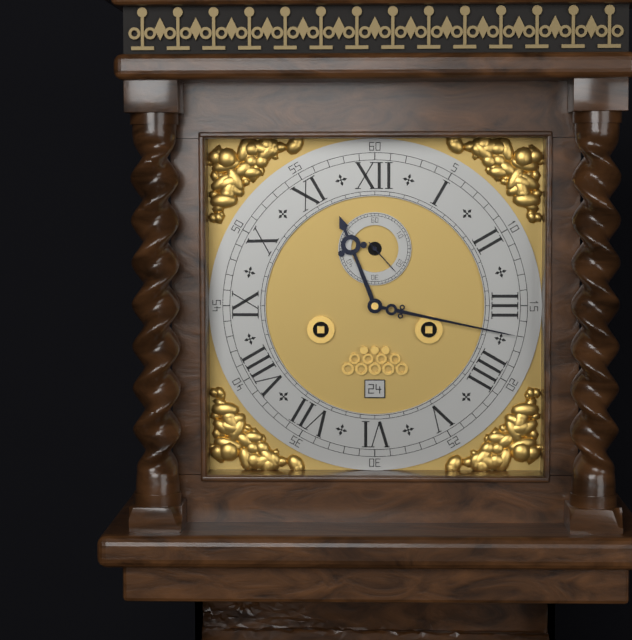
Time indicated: 11:17
